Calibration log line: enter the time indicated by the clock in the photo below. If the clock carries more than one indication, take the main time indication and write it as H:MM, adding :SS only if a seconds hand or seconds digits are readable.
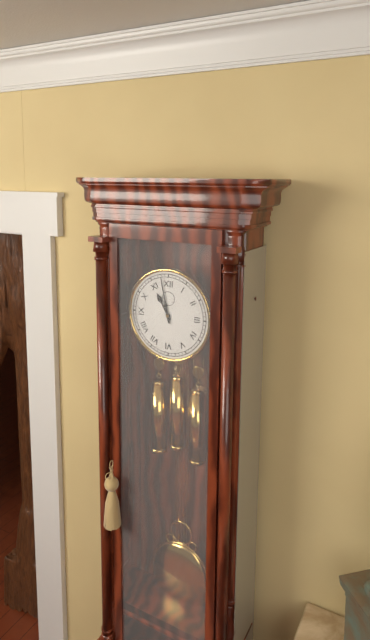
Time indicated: 10:58
